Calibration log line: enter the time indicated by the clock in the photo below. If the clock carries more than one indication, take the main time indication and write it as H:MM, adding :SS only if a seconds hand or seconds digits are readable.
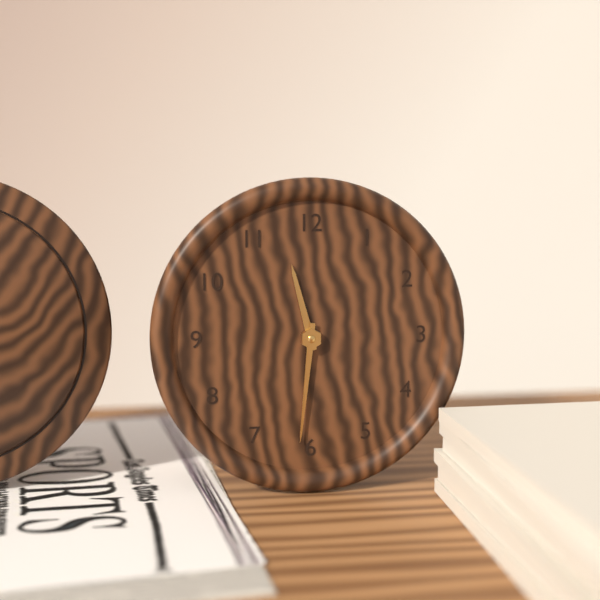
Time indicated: 11:31
